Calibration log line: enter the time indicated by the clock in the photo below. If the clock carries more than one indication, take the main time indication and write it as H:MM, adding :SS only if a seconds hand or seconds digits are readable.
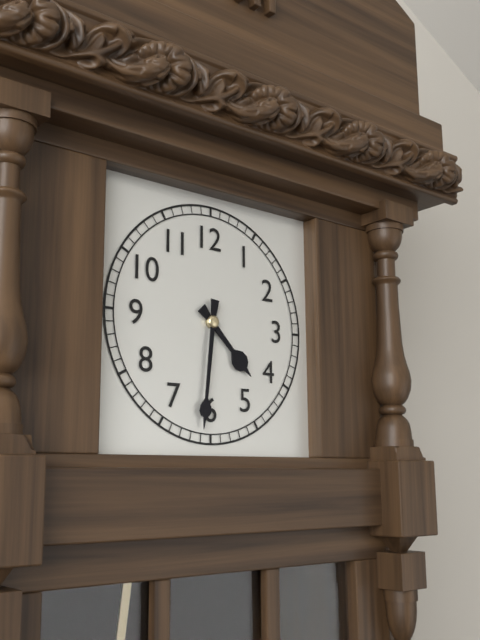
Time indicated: 4:31
